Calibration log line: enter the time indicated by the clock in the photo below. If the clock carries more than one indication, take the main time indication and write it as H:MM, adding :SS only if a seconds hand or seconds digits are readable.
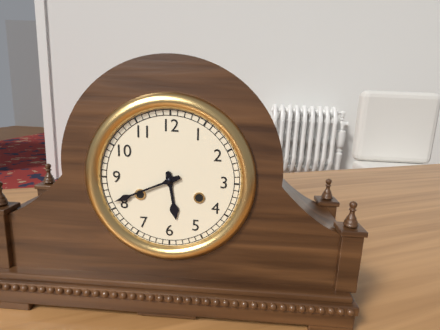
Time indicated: 5:41
